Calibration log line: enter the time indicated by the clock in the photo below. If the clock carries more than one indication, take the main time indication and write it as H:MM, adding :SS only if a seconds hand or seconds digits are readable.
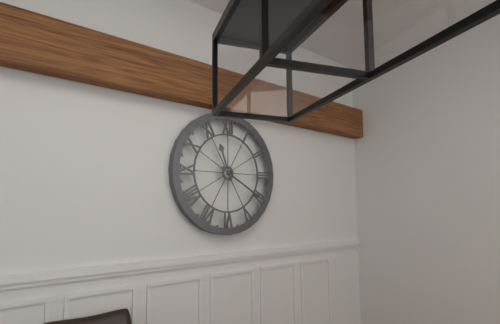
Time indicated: 11:20
